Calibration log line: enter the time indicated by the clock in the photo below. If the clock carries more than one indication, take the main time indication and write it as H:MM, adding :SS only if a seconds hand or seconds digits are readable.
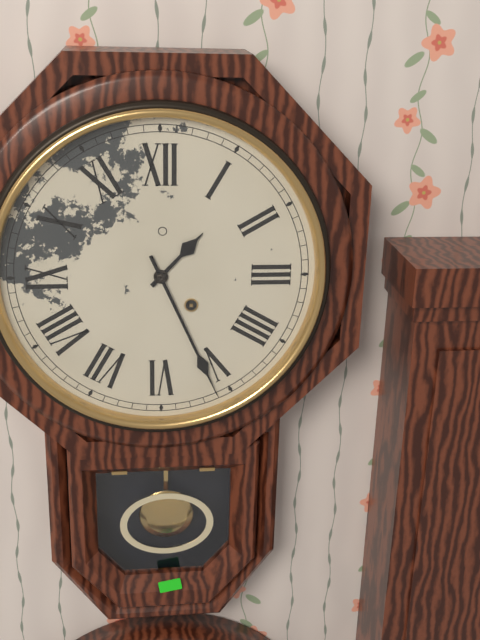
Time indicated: 1:26
